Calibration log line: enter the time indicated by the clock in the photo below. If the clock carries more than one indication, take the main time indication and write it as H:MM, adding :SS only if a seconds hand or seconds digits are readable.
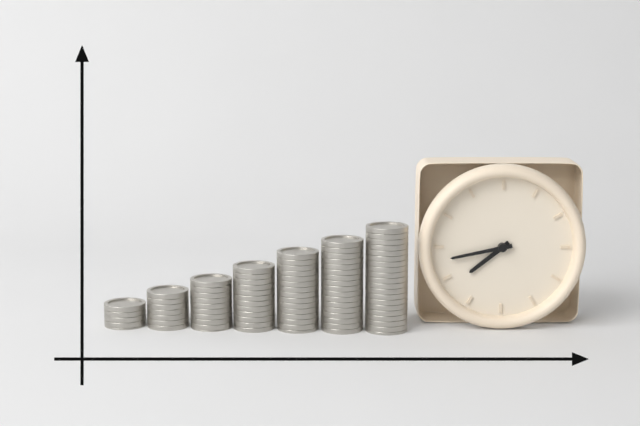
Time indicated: 7:43
